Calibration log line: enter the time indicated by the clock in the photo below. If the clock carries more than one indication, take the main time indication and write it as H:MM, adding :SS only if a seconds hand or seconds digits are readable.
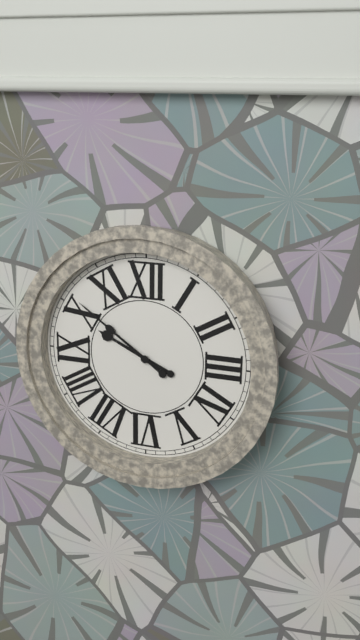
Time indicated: 9:51
